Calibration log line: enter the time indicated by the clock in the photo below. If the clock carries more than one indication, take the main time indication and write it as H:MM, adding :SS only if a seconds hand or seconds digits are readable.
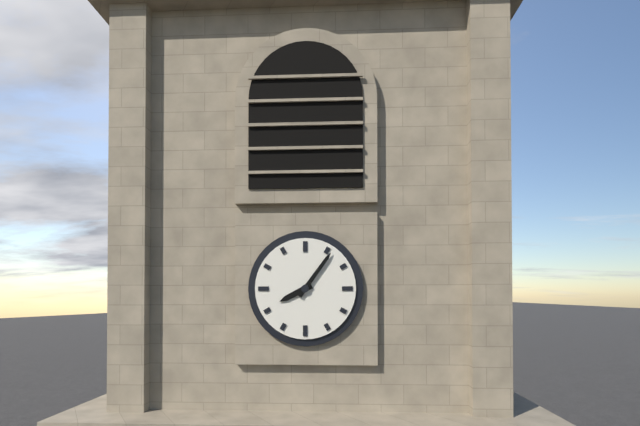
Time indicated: 8:06
